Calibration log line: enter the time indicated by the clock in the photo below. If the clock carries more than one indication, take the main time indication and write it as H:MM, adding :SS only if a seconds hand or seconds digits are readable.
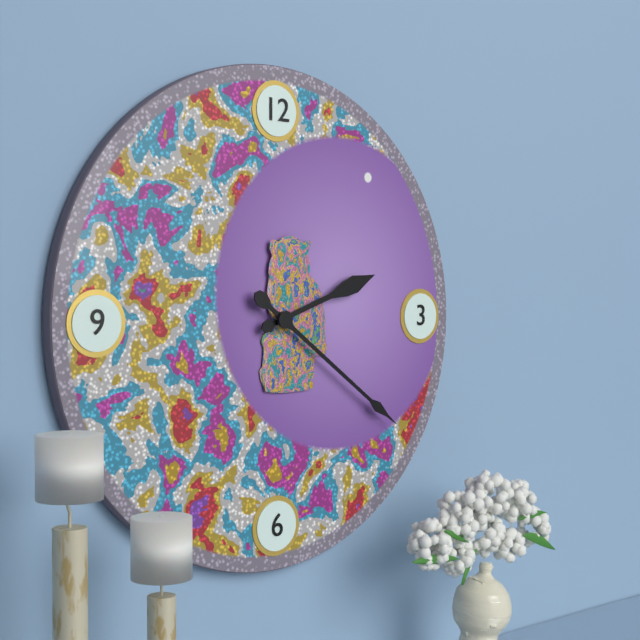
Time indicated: 2:21
